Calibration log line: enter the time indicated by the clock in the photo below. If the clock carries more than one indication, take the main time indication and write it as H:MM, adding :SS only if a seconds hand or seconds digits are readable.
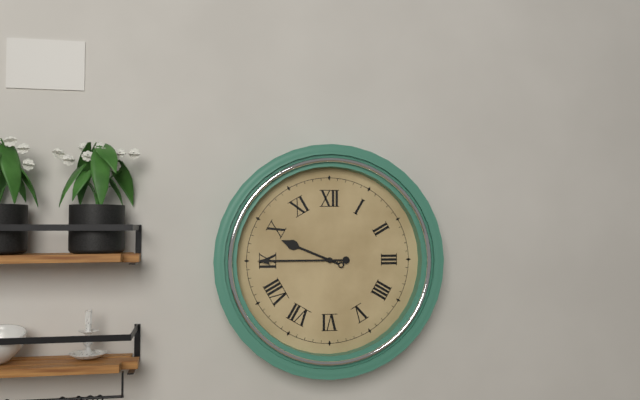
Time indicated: 9:45
